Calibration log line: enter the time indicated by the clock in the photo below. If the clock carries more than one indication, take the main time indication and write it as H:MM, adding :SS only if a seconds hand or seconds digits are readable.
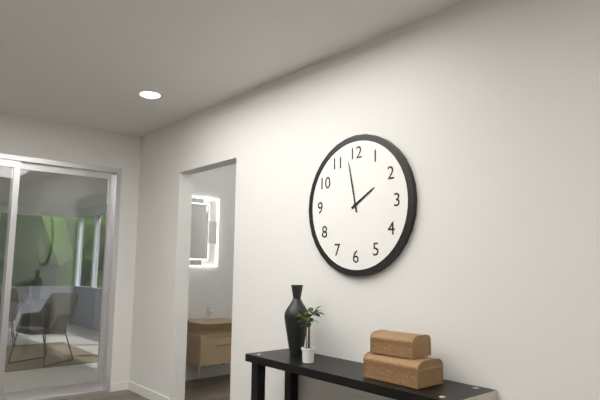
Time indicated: 1:58
